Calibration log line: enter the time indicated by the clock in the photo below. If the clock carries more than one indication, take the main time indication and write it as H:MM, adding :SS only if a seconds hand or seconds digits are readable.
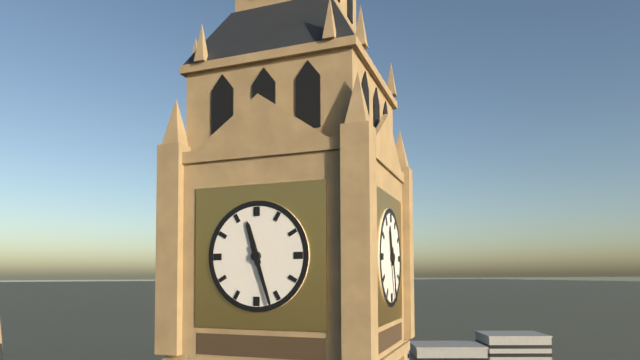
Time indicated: 11:27
